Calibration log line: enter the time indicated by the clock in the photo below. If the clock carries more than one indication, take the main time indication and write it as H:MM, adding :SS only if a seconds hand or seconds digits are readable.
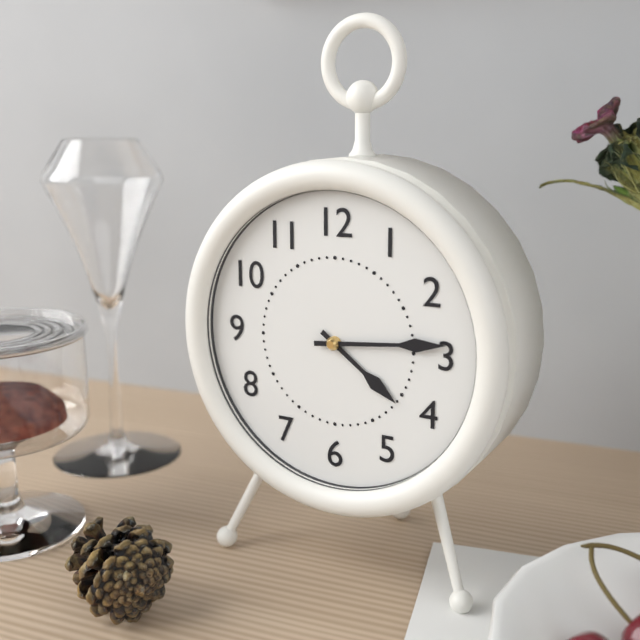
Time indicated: 4:14
